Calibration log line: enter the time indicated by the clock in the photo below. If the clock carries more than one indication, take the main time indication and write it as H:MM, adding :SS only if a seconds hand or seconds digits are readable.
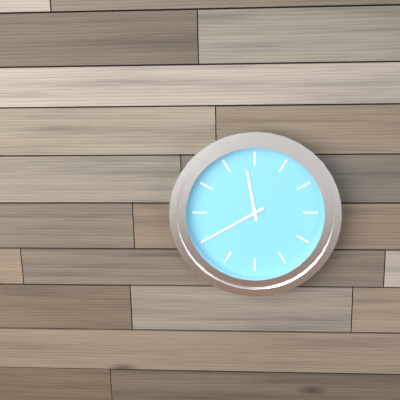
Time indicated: 11:40
